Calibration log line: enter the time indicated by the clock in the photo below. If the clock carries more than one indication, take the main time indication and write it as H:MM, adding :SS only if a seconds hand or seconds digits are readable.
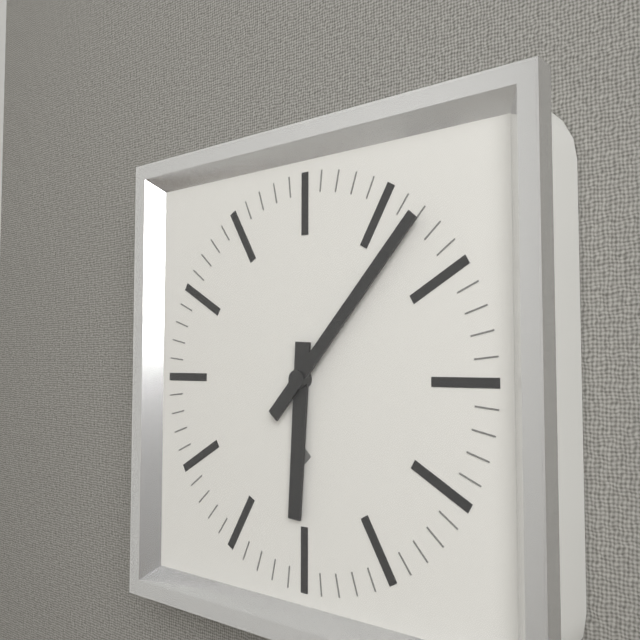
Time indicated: 6:07
